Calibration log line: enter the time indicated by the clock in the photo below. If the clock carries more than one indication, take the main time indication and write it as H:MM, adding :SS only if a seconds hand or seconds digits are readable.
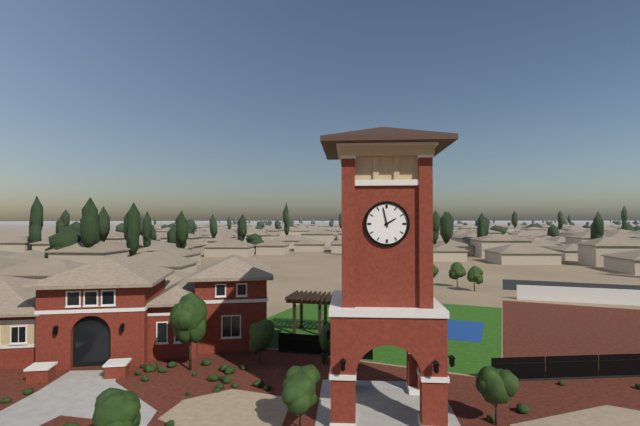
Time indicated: 1:58
